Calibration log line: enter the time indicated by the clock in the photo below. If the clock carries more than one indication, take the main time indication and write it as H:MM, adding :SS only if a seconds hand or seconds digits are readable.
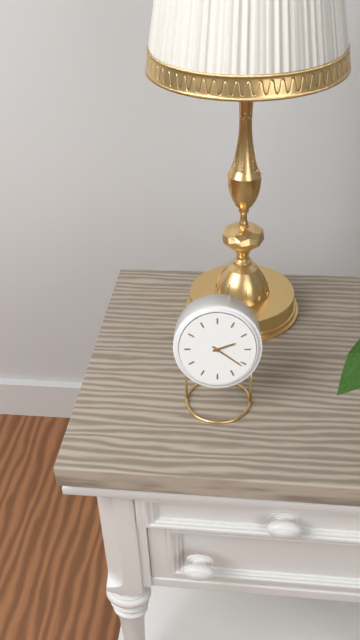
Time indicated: 2:21
